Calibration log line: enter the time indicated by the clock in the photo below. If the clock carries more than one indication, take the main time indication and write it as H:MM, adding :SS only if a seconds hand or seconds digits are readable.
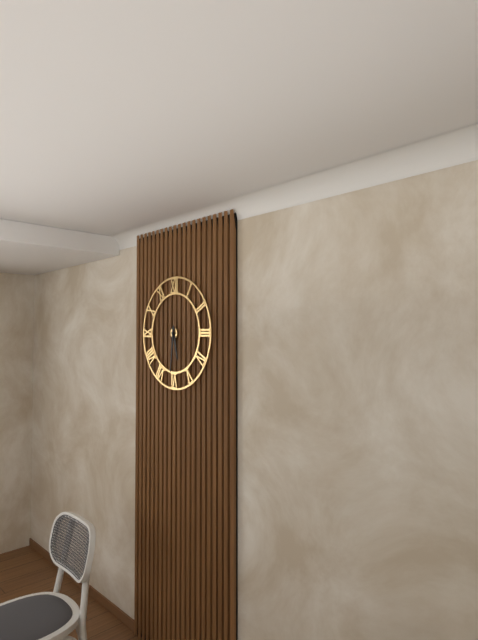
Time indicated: 5:31
